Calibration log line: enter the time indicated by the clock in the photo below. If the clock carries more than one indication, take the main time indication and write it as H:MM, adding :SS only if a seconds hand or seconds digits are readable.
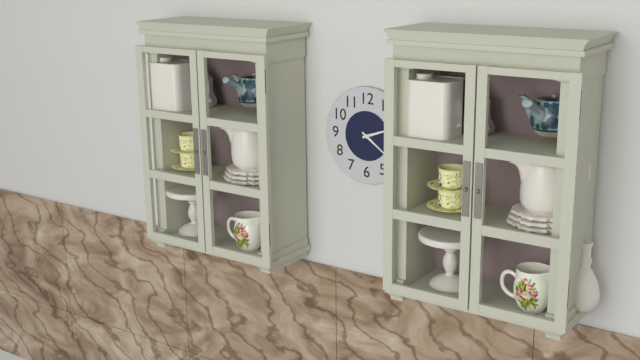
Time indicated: 2:21
